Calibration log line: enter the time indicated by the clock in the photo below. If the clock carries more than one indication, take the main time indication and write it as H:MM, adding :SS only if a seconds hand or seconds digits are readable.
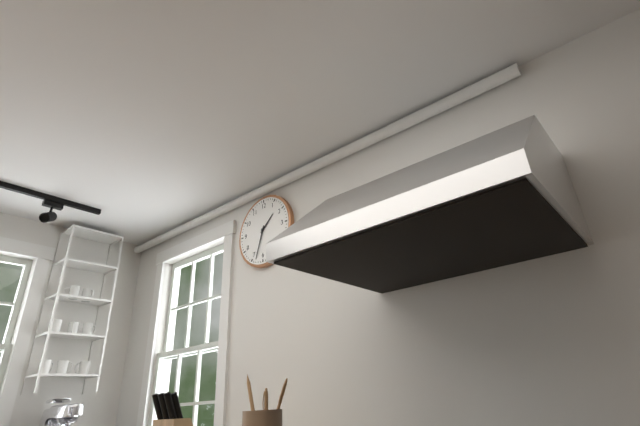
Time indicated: 1:33
